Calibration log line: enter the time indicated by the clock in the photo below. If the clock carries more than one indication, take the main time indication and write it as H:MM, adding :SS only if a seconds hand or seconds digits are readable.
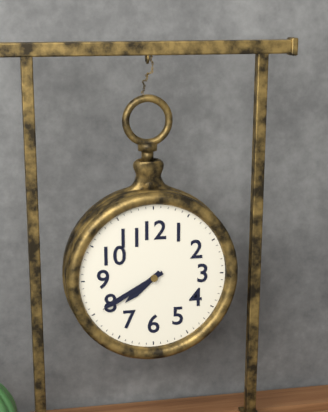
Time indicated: 7:40
